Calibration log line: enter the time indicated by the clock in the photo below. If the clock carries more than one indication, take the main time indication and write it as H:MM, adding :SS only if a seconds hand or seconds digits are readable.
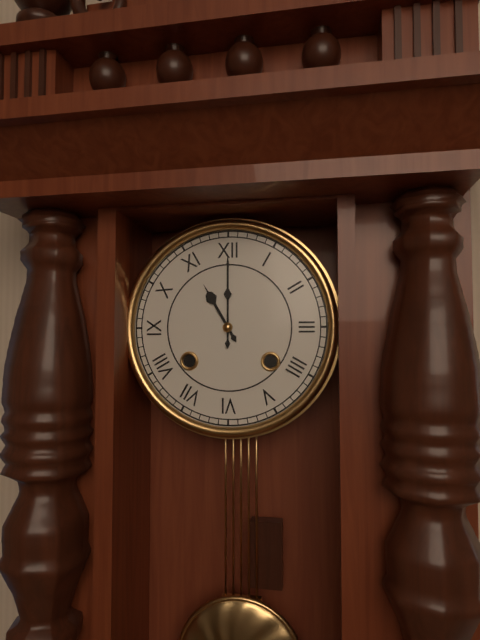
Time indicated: 11:00
